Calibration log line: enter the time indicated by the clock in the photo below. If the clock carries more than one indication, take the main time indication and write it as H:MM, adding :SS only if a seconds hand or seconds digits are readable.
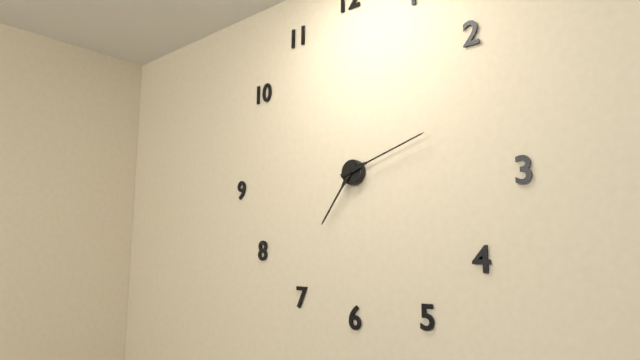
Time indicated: 7:12
